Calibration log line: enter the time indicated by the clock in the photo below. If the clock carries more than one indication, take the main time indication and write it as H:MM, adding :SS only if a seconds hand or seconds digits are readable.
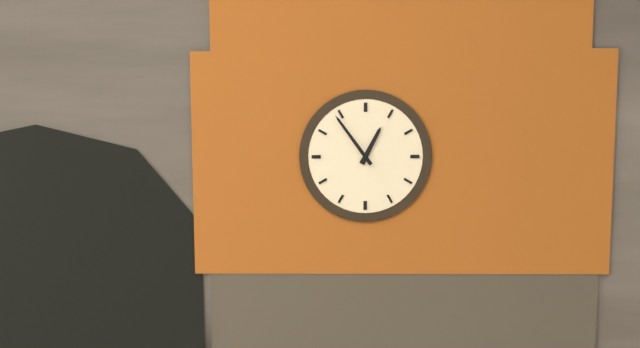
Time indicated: 12:54
